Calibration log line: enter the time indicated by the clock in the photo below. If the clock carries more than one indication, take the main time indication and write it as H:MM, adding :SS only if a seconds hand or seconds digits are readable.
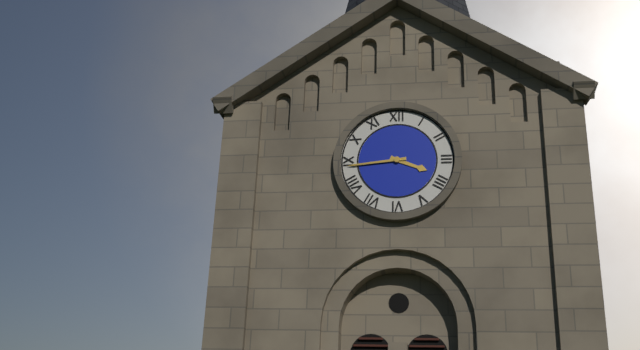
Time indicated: 3:44
